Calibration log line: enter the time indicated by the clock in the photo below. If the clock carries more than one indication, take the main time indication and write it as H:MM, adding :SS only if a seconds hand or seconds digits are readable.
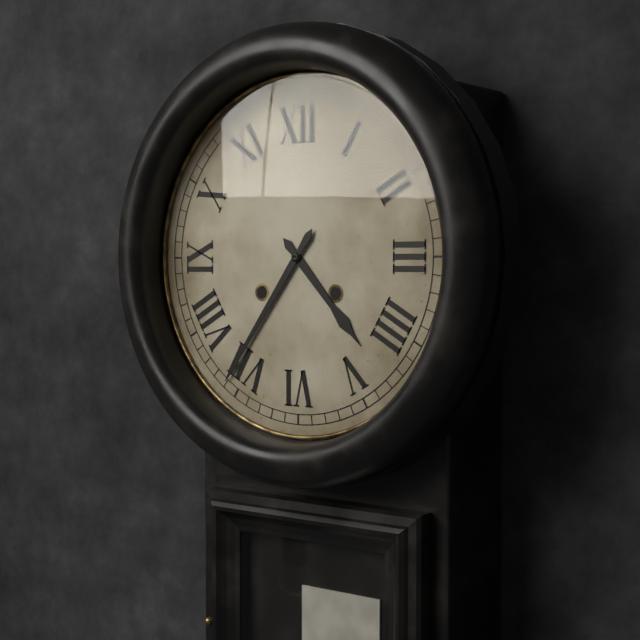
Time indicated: 4:36
